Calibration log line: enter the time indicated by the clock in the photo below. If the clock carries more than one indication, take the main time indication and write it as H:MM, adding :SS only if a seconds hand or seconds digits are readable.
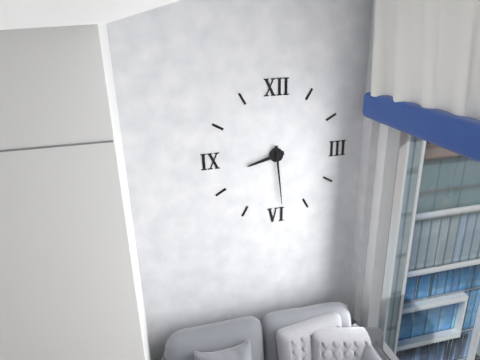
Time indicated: 8:29
